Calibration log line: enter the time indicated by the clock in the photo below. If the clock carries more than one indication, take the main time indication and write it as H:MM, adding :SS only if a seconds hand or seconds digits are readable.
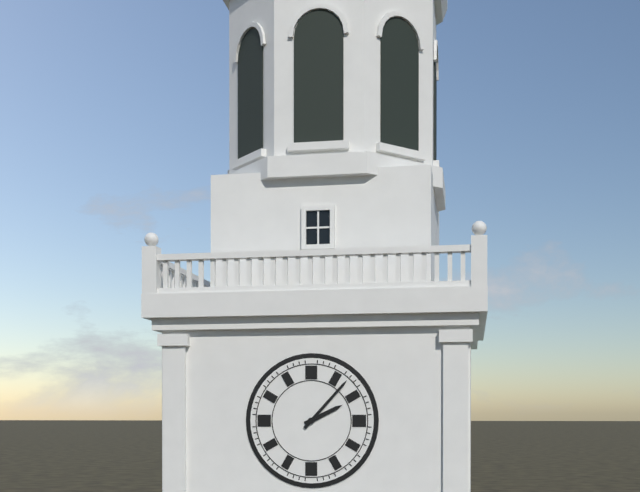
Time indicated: 2:07
